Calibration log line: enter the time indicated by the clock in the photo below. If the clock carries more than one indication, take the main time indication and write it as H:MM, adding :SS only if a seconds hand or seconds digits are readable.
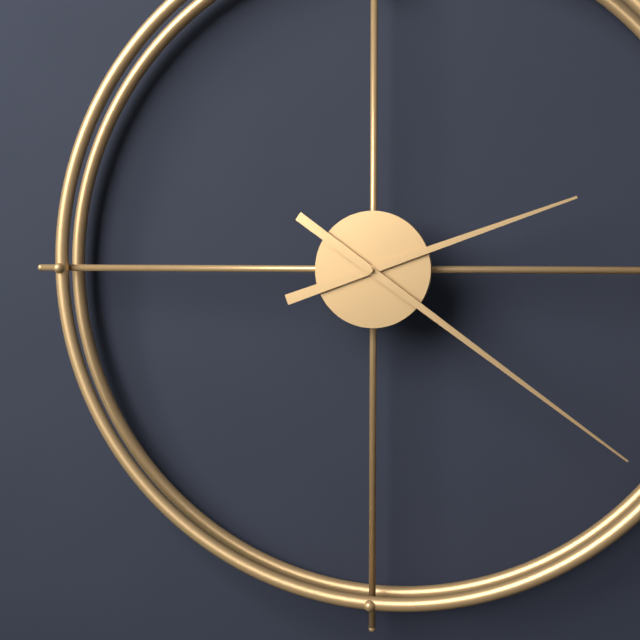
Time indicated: 2:21
